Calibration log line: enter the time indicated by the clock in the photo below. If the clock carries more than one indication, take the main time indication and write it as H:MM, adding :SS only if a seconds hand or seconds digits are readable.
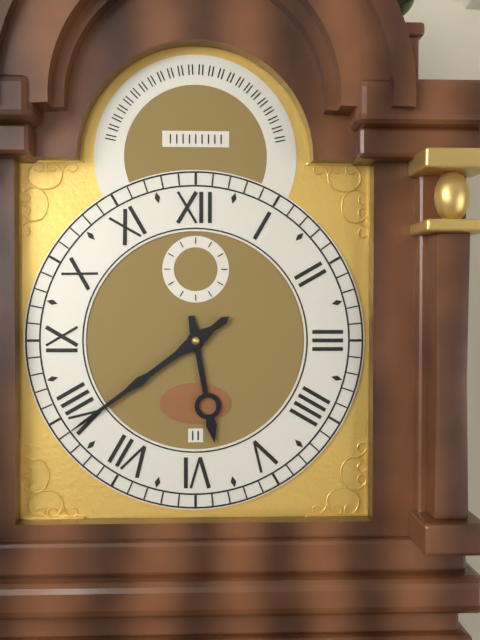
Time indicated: 5:39
